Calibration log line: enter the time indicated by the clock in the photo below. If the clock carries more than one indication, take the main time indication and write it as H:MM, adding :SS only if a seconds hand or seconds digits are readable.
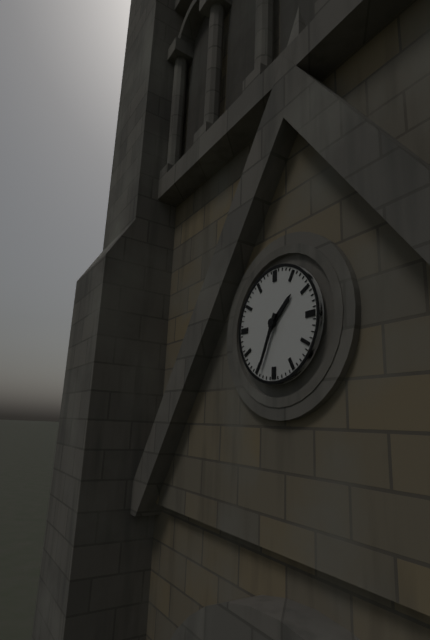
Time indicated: 1:34
